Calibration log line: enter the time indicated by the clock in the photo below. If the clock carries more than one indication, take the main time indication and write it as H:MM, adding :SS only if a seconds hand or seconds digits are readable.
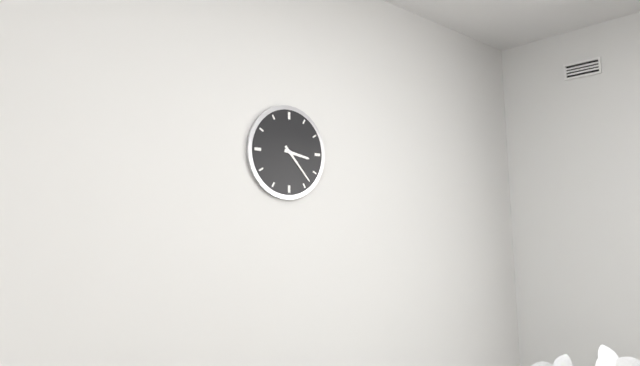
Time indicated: 3:23
